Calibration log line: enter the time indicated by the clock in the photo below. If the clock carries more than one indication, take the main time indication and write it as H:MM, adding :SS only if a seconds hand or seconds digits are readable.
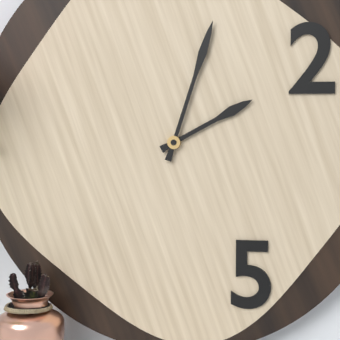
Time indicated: 2:03
